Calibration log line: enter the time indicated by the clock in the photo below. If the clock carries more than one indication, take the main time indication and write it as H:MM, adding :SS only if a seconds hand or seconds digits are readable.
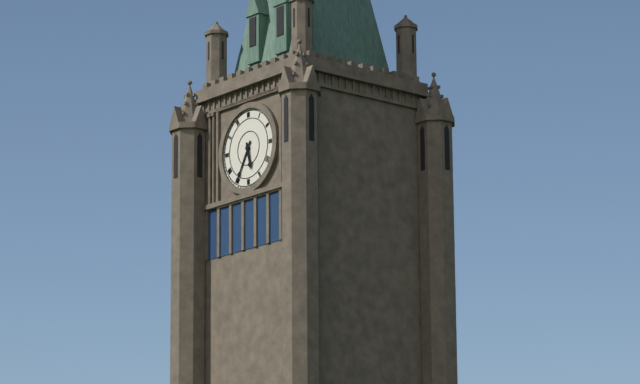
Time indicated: 5:35
